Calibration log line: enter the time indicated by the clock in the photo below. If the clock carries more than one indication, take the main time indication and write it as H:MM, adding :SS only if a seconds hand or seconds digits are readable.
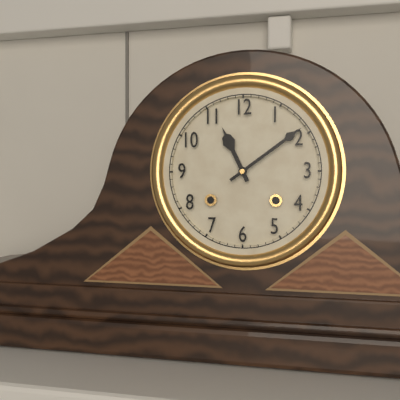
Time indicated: 11:09
